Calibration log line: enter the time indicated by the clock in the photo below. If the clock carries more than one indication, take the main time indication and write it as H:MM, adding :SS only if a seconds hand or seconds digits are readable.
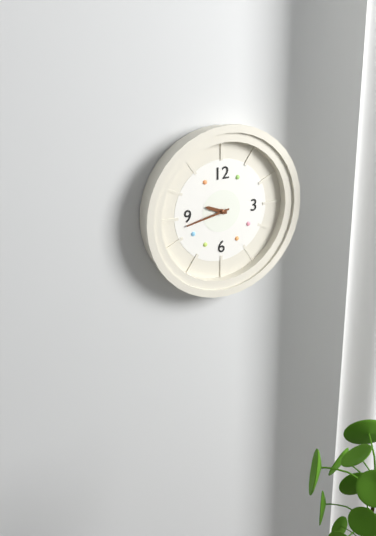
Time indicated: 9:43
